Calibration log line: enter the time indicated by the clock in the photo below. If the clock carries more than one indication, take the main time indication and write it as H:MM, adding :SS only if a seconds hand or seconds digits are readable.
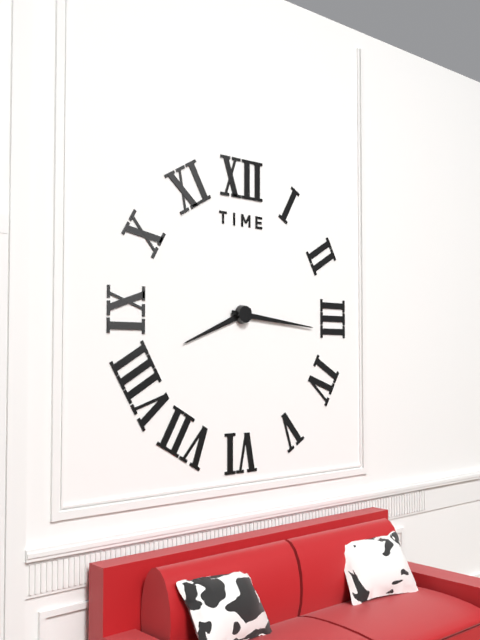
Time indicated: 8:16
